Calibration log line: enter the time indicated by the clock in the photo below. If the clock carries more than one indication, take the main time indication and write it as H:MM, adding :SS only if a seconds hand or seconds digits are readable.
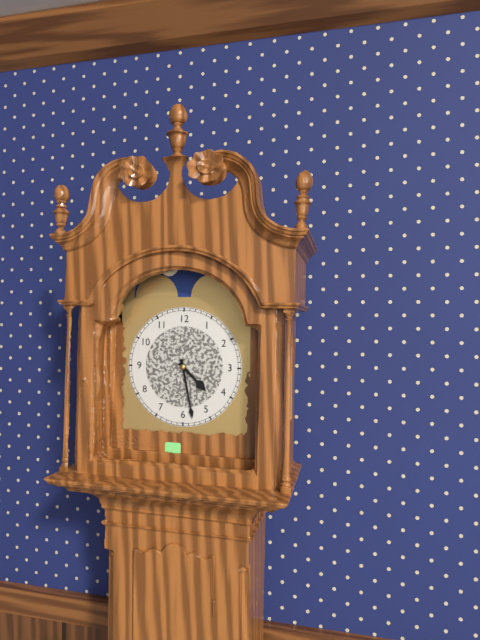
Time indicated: 4:28
